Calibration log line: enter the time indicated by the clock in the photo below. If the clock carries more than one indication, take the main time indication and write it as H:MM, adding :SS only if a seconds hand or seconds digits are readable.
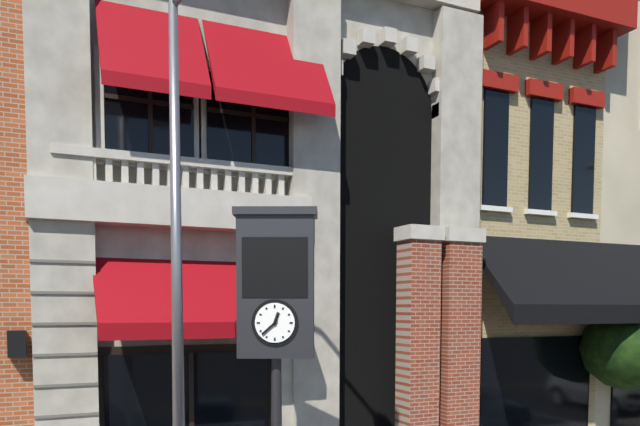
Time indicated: 12:38
